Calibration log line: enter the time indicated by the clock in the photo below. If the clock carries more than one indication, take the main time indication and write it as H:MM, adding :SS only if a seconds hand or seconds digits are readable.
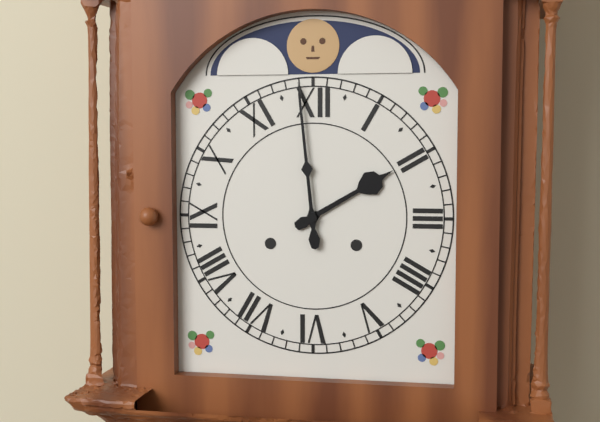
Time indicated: 1:59
